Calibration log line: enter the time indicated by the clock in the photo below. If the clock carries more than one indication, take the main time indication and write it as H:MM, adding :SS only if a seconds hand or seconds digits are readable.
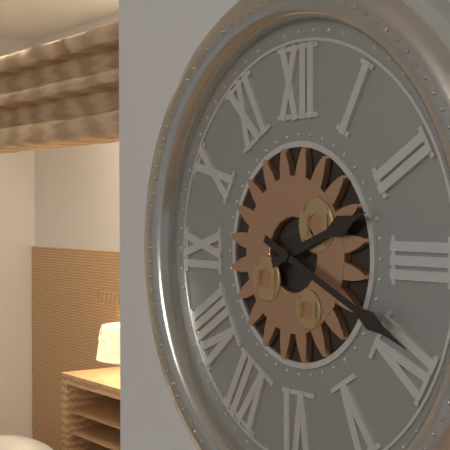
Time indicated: 2:19
